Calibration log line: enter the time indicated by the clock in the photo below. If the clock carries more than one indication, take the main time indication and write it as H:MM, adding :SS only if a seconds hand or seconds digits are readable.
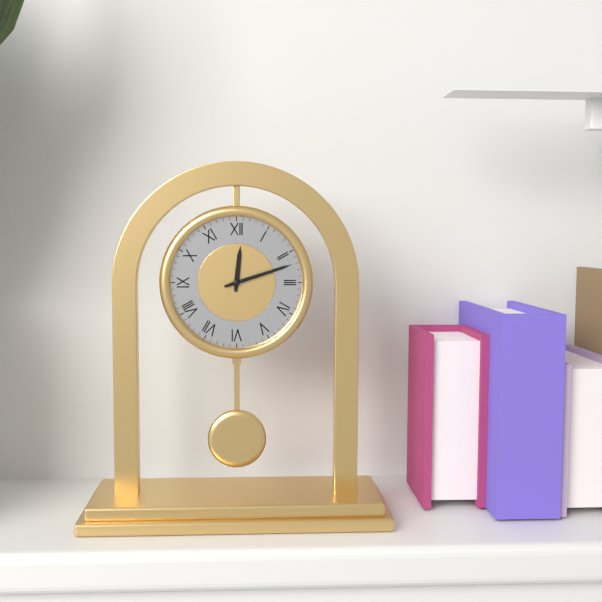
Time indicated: 12:12
